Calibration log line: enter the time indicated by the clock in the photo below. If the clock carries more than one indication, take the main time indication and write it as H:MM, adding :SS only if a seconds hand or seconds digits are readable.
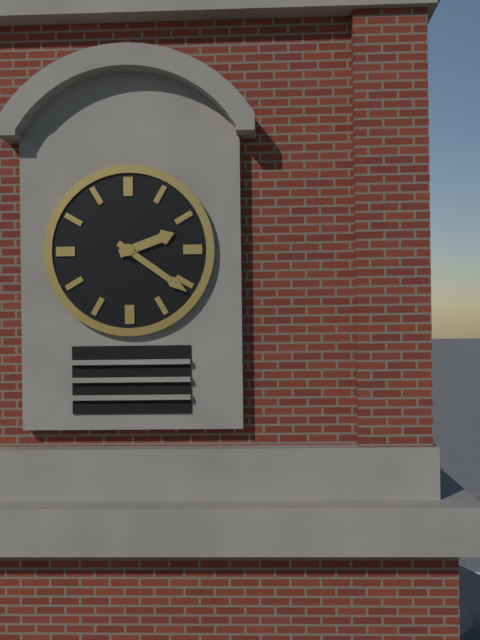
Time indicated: 2:21
